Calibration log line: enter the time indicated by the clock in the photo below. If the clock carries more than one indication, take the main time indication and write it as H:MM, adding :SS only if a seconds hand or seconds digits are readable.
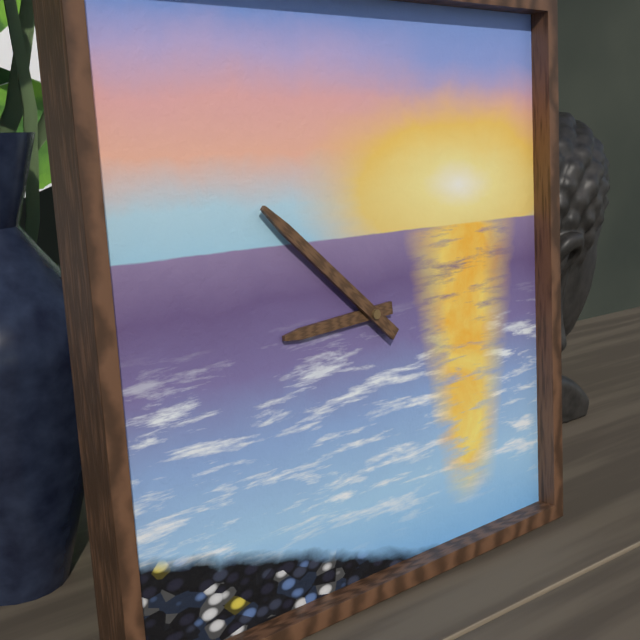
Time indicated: 8:52
